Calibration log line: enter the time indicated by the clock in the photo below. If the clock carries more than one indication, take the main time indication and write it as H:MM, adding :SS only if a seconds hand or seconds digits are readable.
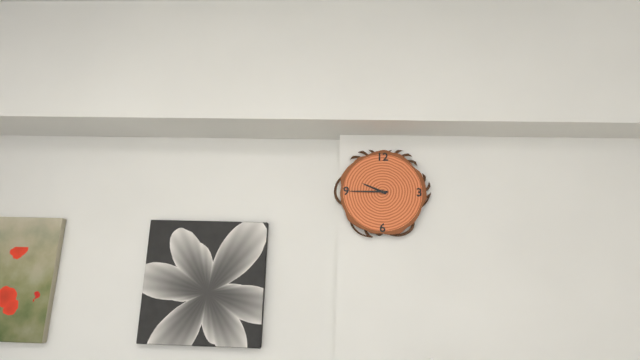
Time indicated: 9:45
